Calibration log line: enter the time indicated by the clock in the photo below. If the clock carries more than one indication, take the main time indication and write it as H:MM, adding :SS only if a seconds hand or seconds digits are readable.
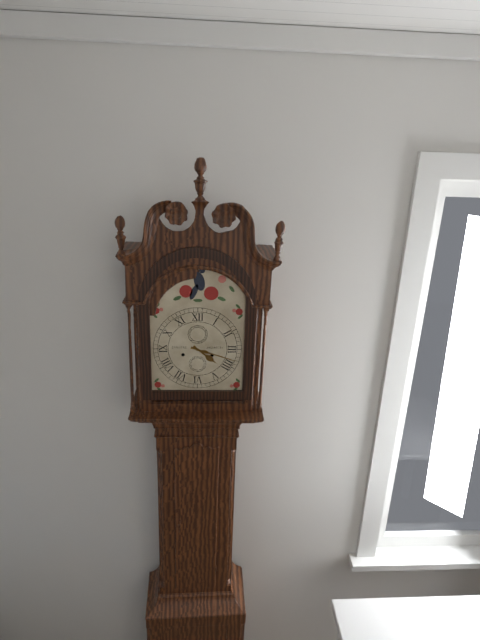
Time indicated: 4:18
